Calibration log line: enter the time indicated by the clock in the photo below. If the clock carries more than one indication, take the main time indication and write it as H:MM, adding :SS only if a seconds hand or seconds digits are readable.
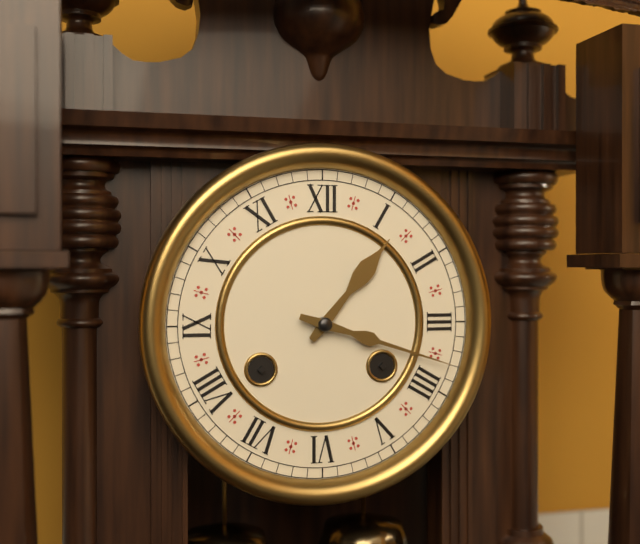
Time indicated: 1:18
